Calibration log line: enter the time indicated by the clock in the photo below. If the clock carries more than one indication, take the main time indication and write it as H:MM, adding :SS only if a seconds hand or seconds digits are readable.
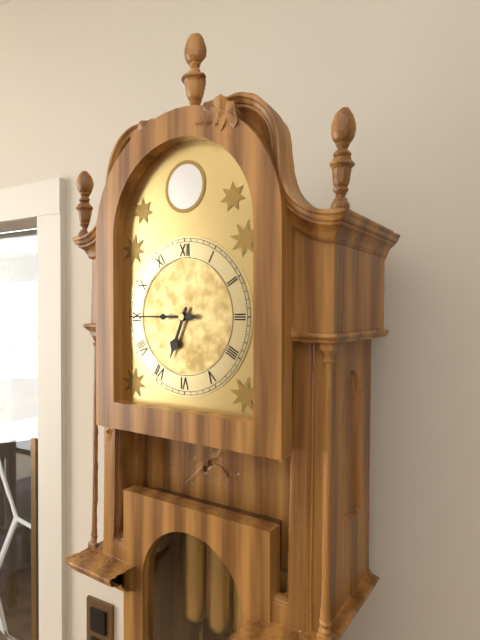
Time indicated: 6:45
